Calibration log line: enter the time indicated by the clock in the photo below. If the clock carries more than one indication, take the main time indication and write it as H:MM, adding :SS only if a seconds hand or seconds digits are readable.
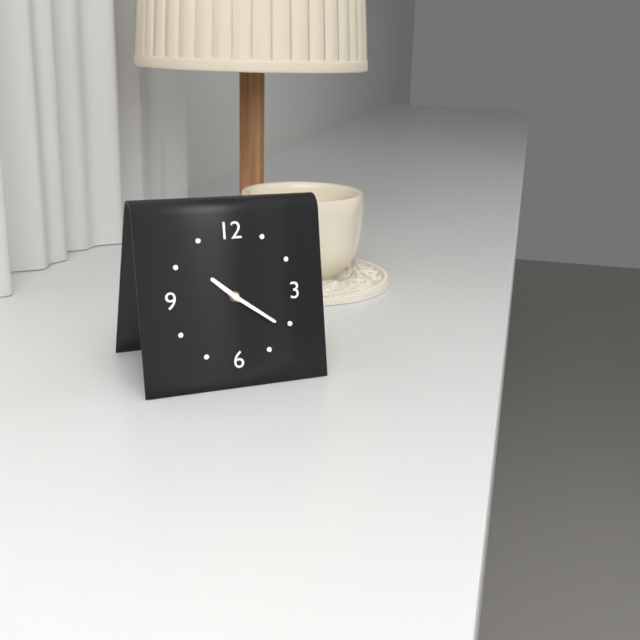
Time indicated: 10:21
